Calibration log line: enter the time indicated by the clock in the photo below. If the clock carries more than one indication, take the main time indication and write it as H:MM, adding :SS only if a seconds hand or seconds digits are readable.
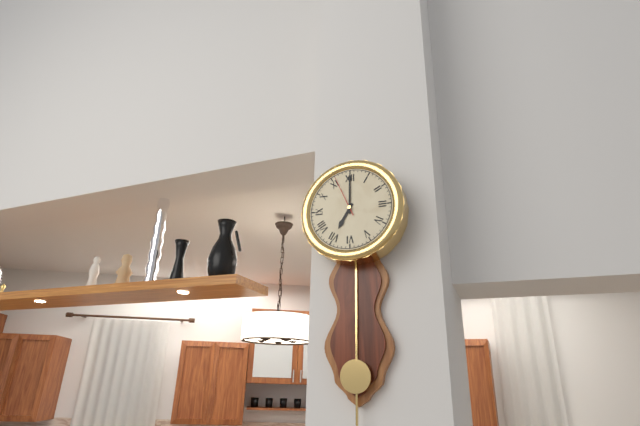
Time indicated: 7:00
